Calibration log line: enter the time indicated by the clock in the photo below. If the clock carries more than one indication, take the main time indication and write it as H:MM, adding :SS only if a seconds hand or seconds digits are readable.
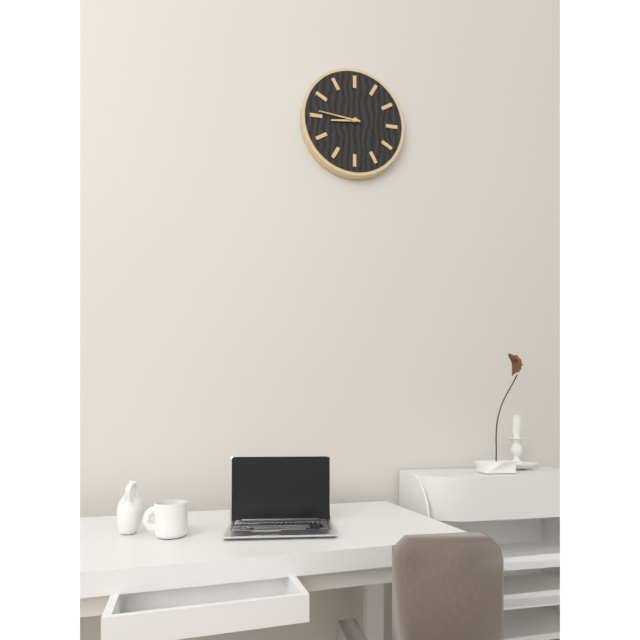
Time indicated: 8:46
